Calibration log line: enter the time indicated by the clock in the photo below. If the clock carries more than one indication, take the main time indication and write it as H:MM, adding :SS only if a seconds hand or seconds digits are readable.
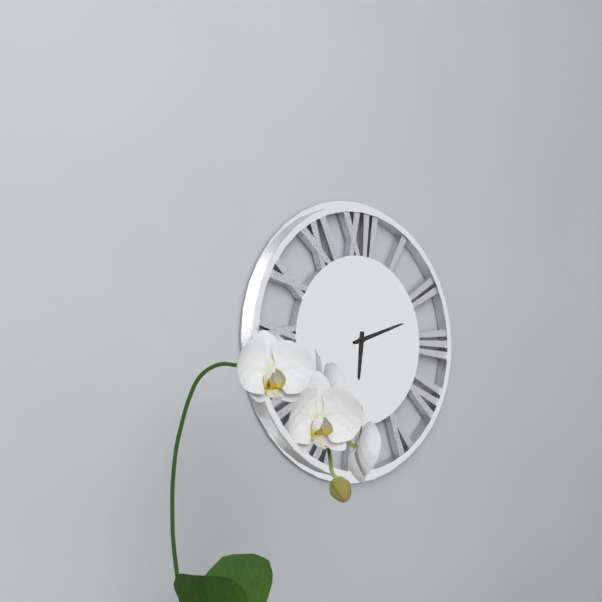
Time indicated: 6:12
